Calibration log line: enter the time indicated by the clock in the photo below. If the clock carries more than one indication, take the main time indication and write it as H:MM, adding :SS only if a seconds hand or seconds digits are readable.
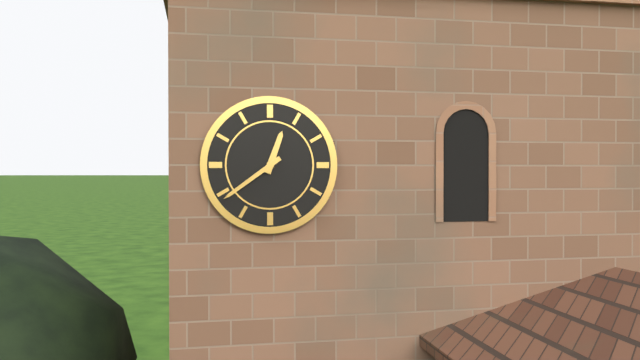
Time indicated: 12:39
